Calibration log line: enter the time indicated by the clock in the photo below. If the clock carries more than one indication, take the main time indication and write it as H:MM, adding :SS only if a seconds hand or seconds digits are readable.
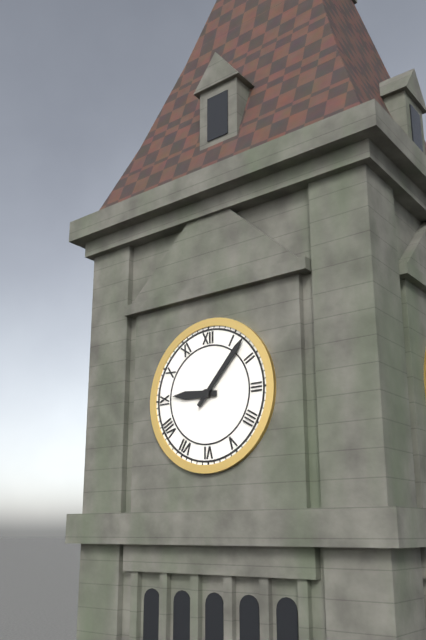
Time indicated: 9:07
